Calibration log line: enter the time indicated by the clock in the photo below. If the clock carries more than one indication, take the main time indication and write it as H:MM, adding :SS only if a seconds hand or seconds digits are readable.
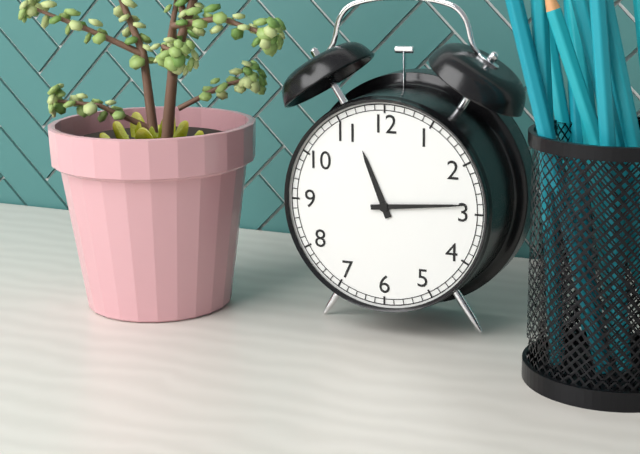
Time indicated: 11:14
